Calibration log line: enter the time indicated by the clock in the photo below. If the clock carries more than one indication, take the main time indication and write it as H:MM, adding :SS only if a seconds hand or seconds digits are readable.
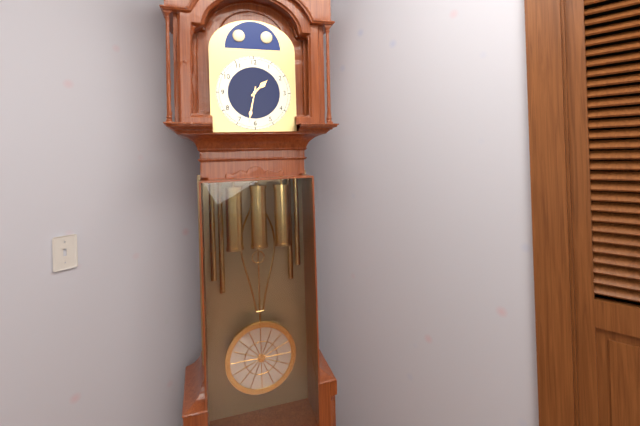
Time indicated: 1:32
